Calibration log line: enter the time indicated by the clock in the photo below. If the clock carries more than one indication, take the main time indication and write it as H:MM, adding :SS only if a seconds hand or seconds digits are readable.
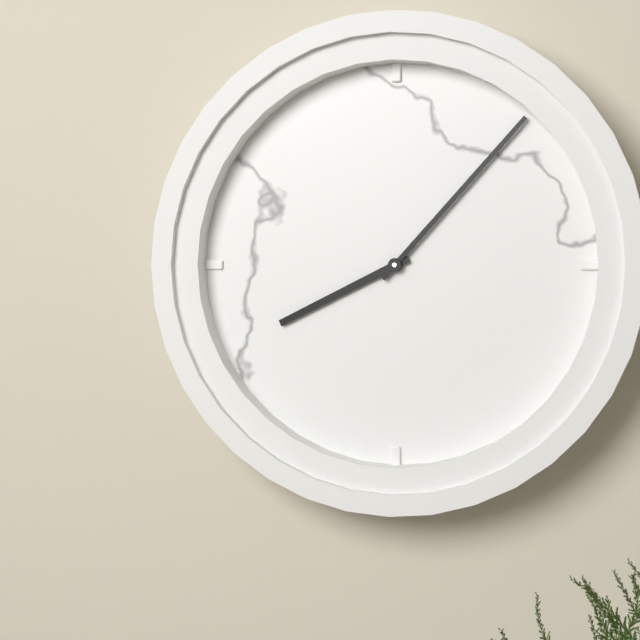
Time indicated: 8:07
